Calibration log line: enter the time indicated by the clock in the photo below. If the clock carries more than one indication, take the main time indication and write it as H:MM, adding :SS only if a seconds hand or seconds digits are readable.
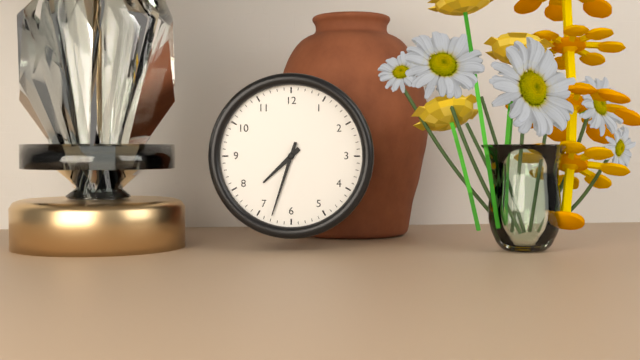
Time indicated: 7:33
